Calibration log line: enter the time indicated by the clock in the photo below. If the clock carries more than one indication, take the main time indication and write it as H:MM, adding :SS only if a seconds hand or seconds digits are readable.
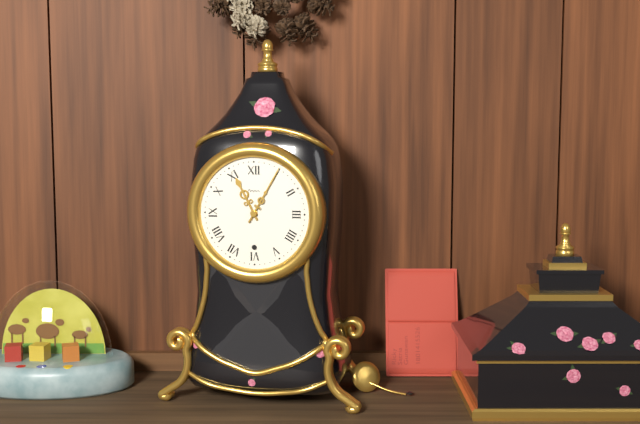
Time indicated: 11:05
